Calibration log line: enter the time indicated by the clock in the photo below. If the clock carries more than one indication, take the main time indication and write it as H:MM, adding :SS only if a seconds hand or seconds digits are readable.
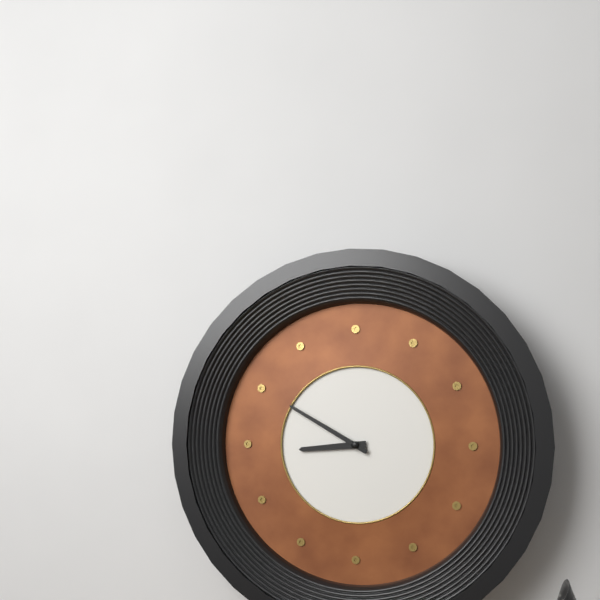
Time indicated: 8:50
